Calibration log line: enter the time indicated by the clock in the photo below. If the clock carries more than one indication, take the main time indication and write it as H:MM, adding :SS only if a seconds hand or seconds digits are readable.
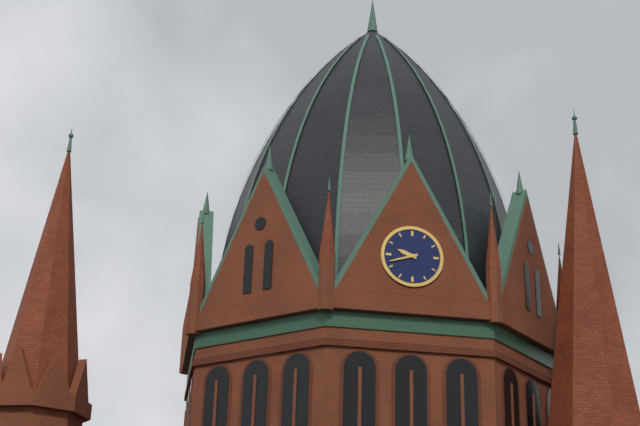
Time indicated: 9:42
